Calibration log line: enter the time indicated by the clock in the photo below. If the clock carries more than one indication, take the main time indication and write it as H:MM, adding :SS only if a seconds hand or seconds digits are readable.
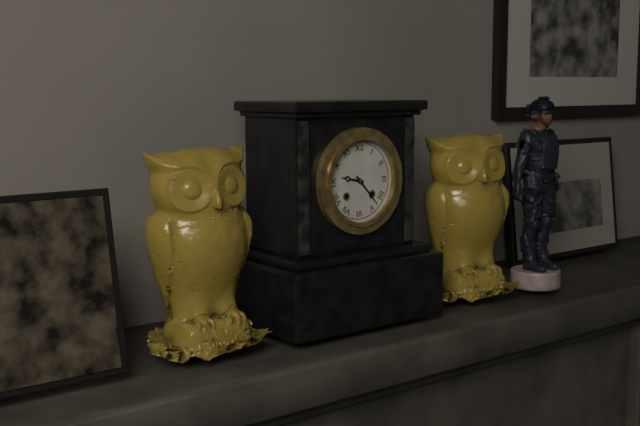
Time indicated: 9:23
